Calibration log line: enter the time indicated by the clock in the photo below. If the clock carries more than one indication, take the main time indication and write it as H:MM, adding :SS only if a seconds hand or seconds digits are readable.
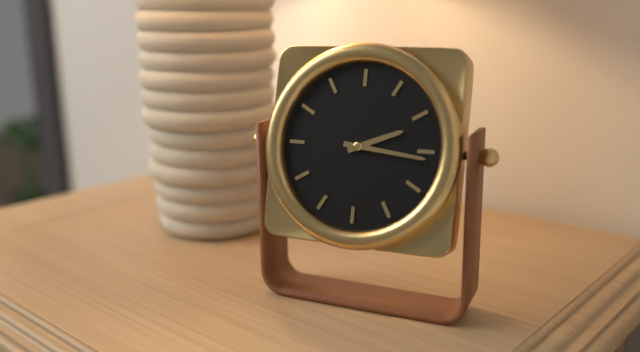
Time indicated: 2:16
